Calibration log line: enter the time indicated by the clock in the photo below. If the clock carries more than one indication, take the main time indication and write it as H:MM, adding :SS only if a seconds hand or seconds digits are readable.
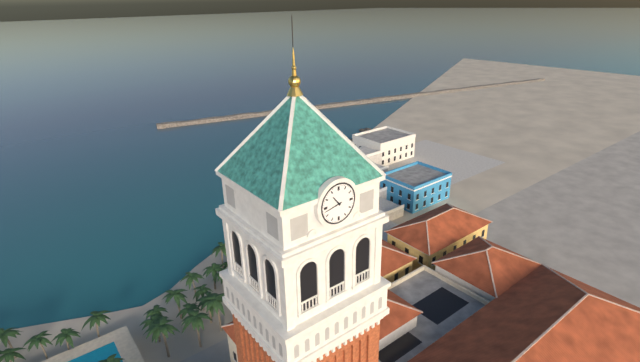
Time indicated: 10:43
